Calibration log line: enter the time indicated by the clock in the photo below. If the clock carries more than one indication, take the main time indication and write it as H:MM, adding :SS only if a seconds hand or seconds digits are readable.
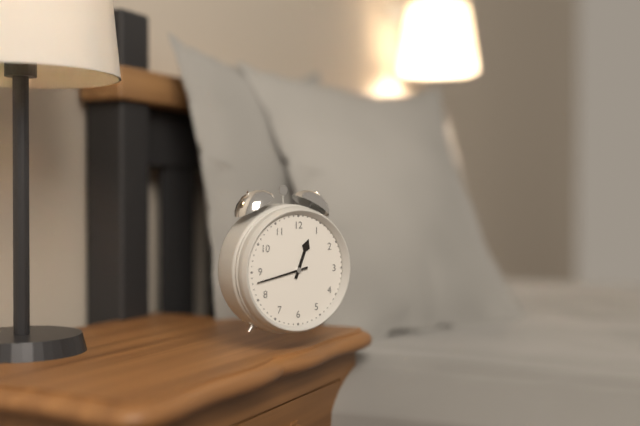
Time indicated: 12:43
